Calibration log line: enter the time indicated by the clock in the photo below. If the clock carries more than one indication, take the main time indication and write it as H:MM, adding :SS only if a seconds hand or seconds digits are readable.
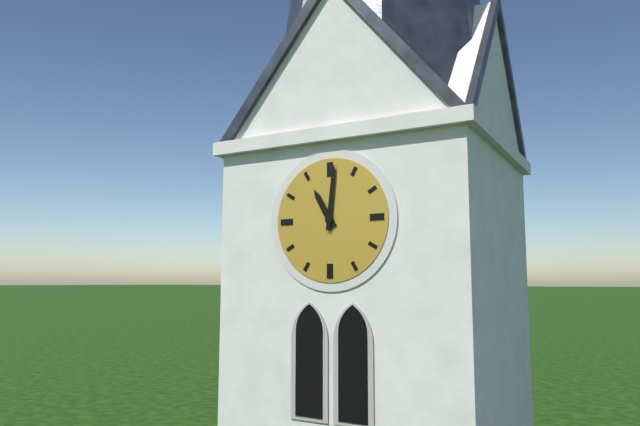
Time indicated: 11:01
